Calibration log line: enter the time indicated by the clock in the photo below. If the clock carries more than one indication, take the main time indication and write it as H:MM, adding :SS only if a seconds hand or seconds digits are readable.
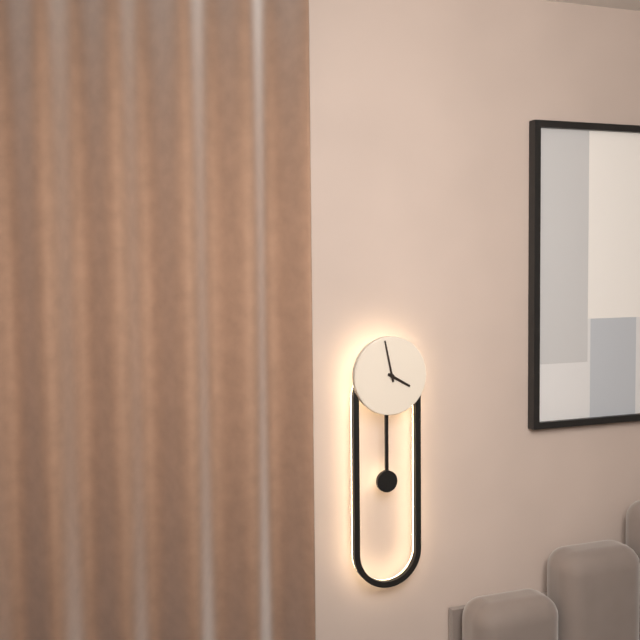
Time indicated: 3:58
